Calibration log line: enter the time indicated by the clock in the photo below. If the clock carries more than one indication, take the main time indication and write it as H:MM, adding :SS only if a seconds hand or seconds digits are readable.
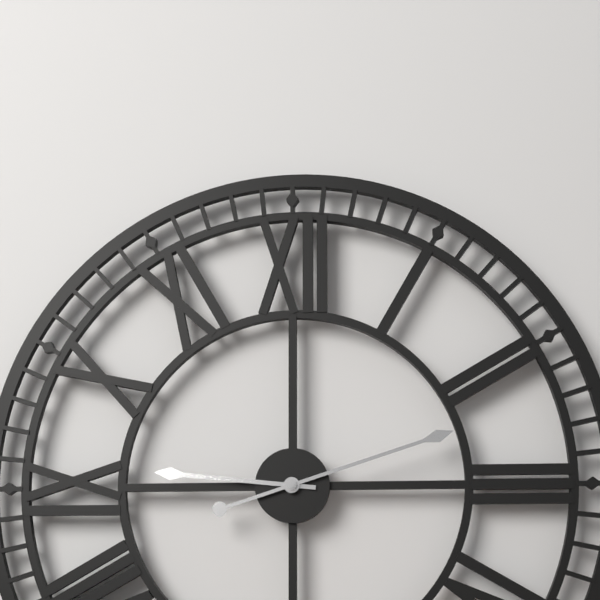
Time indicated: 9:12
